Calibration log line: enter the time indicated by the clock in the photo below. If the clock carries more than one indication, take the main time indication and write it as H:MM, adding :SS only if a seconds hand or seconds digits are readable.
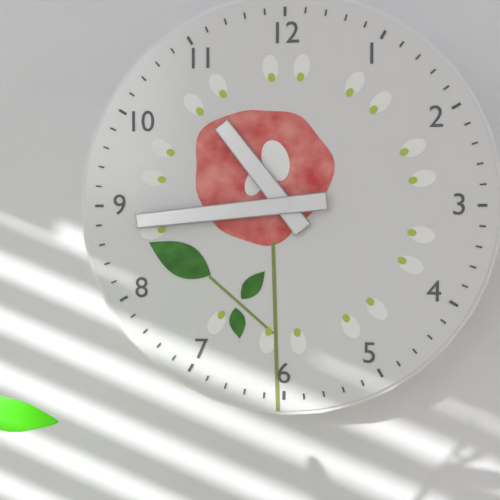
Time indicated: 10:44
